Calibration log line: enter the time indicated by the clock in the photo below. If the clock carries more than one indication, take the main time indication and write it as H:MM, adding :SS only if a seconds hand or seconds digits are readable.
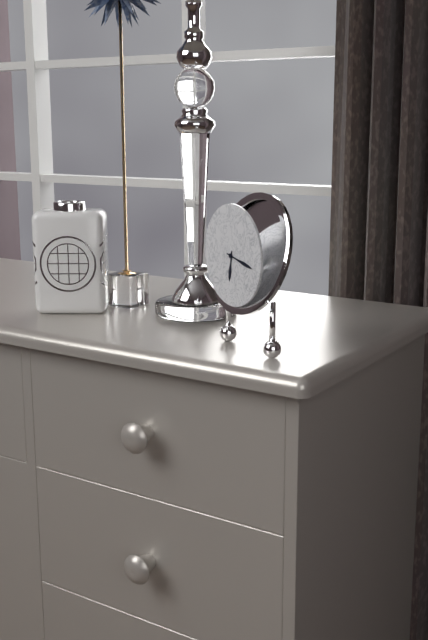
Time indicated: 6:17
